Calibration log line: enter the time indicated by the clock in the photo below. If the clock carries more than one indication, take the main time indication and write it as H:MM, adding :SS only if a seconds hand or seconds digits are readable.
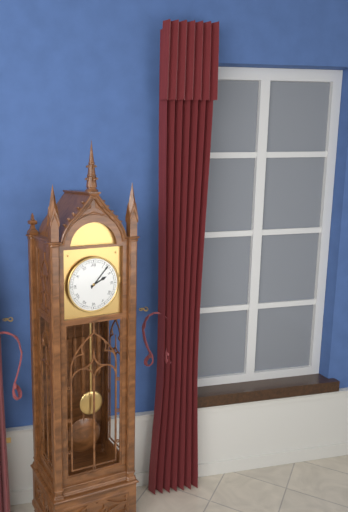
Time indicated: 2:07
